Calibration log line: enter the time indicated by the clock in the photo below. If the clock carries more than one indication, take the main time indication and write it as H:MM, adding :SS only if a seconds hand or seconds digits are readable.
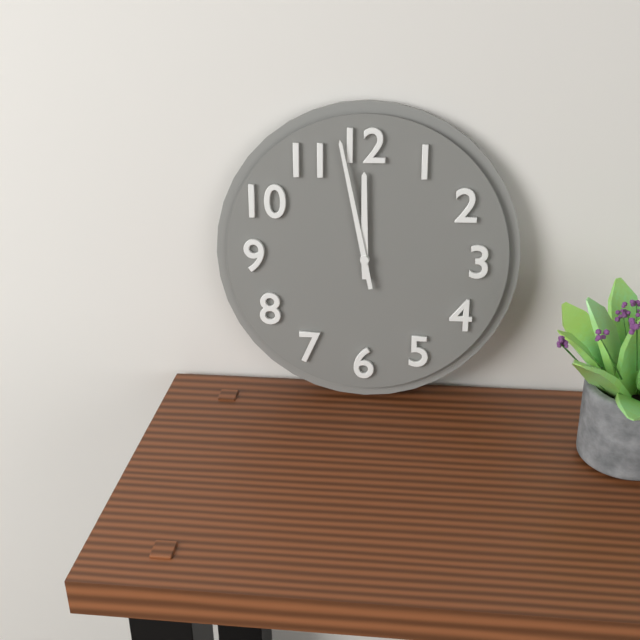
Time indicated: 11:58
